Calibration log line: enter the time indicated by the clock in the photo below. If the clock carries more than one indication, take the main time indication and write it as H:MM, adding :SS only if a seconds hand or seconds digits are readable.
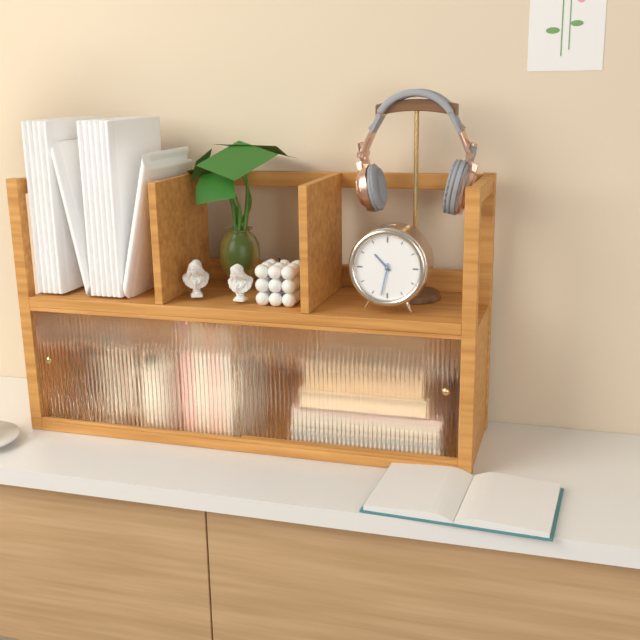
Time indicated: 10:32
